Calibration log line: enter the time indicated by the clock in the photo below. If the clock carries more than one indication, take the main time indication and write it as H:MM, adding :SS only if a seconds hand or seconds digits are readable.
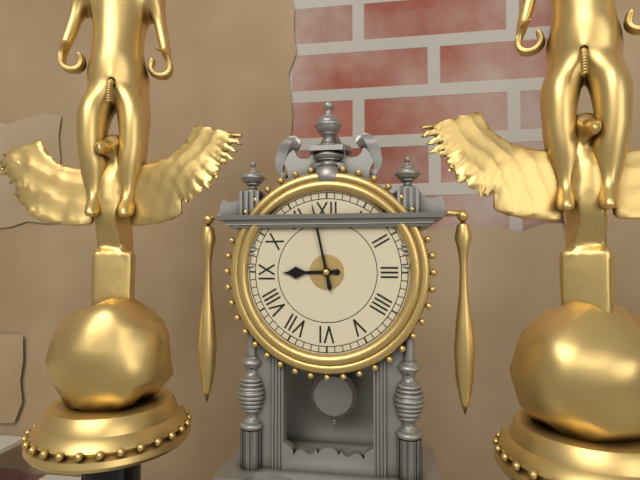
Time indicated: 8:58
